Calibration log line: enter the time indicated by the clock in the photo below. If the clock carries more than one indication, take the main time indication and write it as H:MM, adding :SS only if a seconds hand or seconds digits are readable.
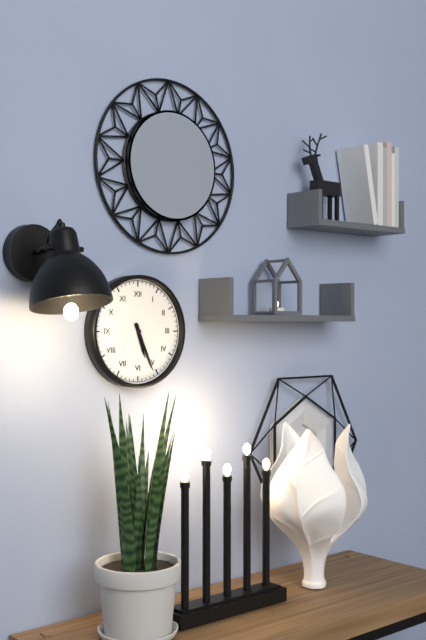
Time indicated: 5:26
